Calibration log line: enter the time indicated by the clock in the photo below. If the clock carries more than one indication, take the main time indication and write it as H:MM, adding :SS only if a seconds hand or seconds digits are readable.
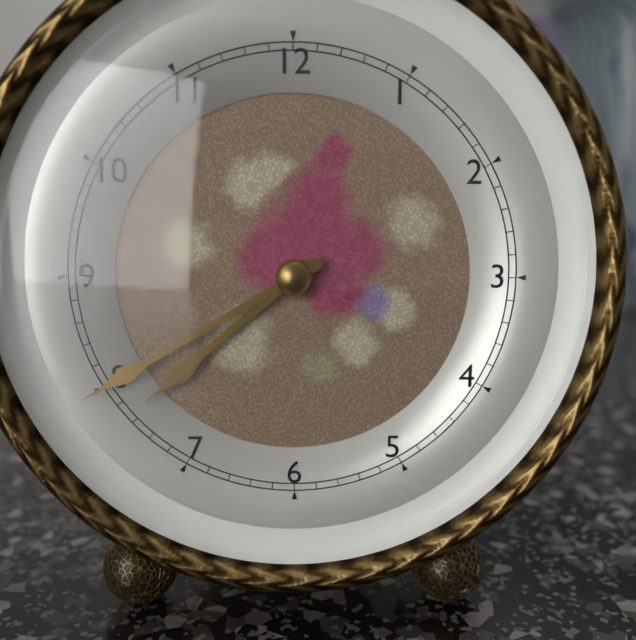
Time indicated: 7:40
